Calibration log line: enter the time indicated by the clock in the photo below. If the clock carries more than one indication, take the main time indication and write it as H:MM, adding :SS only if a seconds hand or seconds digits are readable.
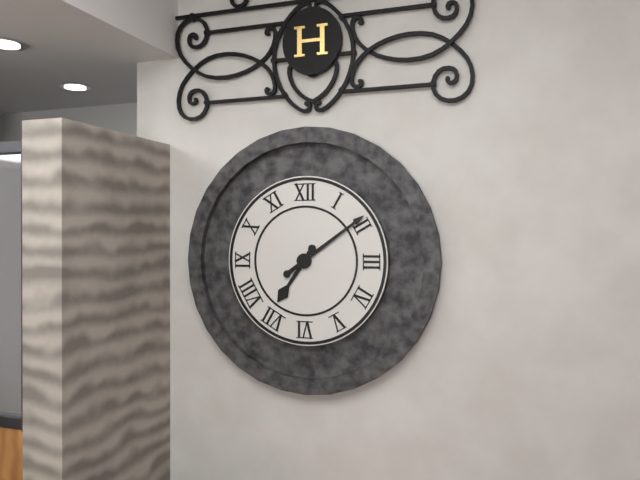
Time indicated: 7:09
